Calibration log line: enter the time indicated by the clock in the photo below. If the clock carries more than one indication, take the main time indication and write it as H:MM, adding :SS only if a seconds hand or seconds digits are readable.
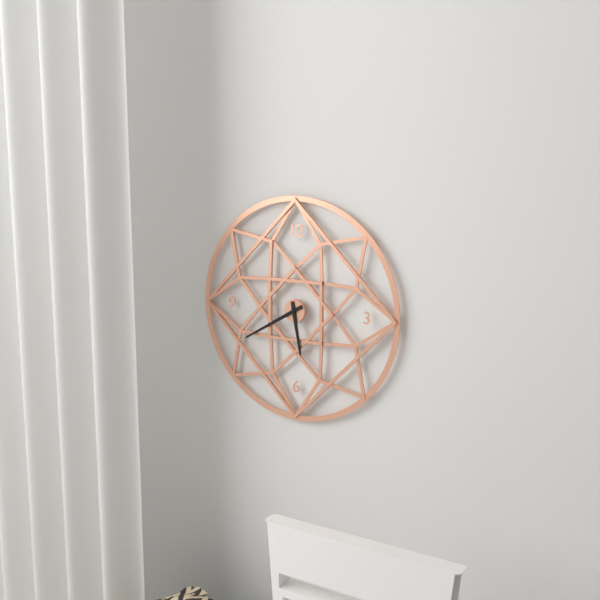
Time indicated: 5:40
